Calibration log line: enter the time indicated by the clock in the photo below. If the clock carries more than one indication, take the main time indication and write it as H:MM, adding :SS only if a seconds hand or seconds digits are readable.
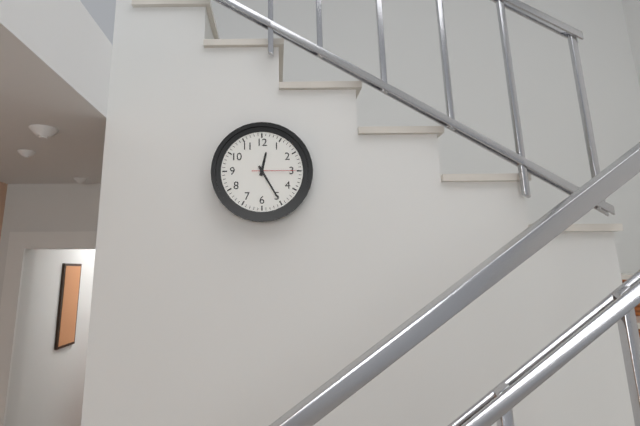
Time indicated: 12:25
